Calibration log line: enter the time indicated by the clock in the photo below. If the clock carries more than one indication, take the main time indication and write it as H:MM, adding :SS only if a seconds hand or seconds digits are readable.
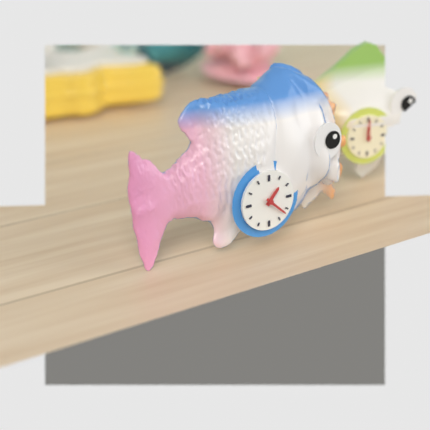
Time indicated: 1:22
